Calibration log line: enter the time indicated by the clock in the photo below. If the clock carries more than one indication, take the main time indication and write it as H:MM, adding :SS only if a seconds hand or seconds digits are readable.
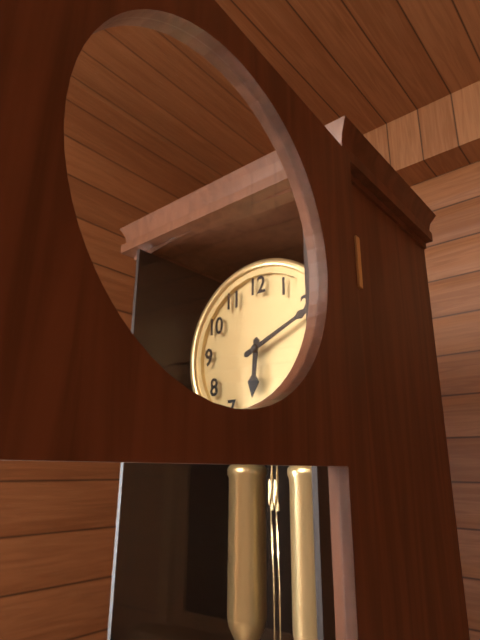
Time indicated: 6:11
